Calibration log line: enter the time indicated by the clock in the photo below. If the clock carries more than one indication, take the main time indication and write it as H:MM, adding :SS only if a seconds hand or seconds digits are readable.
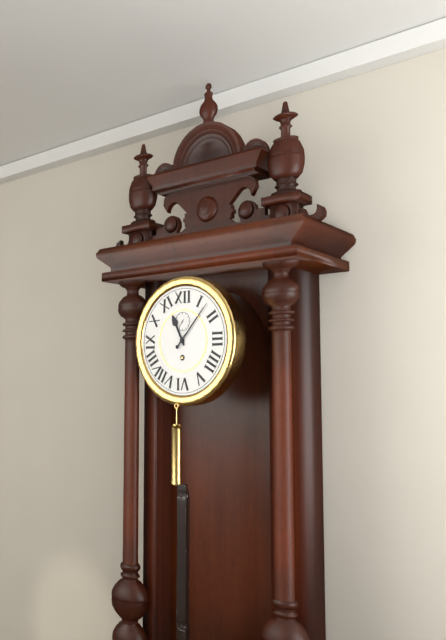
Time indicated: 11:07
